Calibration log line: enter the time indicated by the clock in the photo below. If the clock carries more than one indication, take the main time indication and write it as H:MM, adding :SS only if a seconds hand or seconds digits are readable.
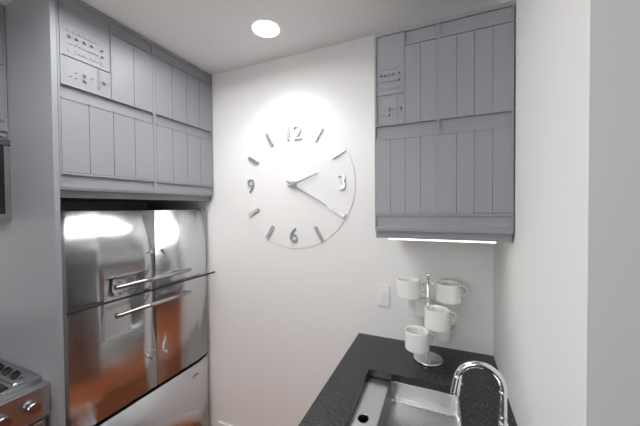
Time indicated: 2:20
